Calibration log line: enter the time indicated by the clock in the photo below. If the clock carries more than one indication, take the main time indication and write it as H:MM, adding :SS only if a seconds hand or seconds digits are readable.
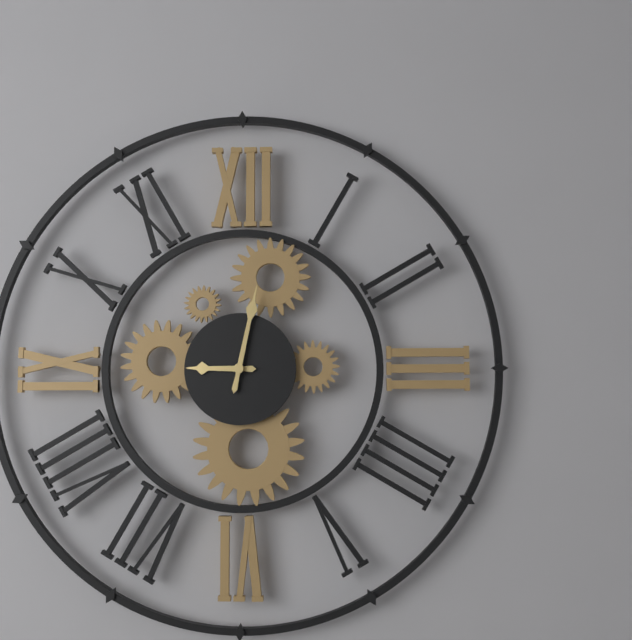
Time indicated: 9:02
